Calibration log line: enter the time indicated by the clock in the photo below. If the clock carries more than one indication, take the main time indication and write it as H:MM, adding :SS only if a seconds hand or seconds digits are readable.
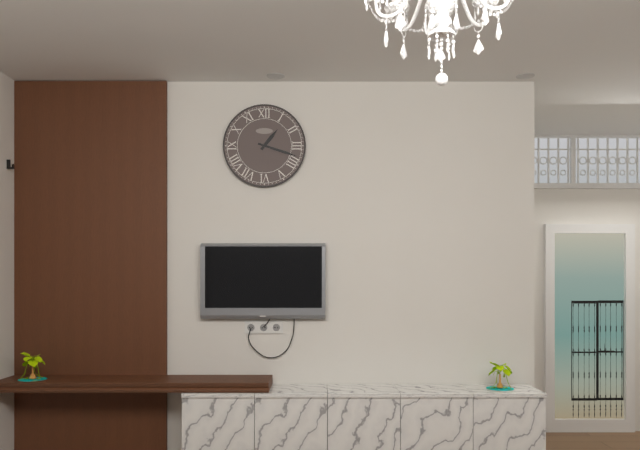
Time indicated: 1:18
